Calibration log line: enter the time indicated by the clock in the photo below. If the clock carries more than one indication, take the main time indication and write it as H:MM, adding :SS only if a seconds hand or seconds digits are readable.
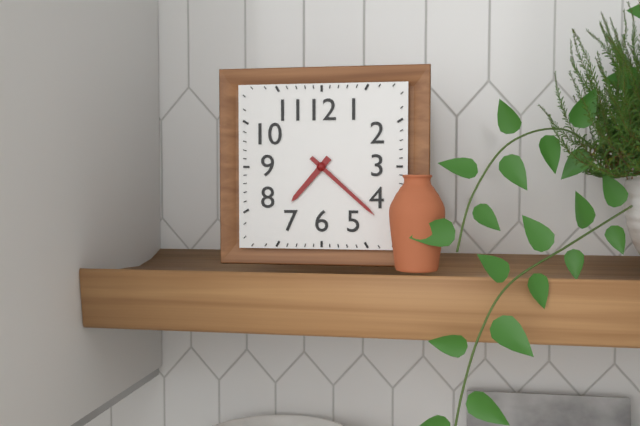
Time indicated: 7:22
